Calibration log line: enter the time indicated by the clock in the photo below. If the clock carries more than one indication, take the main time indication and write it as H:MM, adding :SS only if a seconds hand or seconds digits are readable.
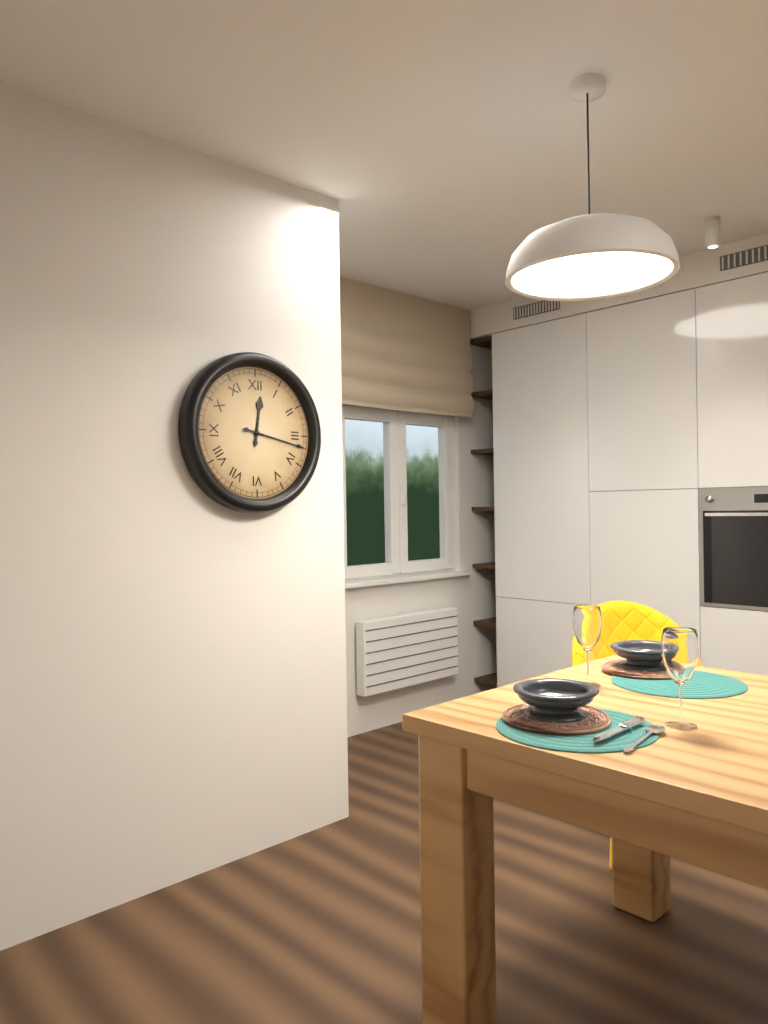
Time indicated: 12:17
